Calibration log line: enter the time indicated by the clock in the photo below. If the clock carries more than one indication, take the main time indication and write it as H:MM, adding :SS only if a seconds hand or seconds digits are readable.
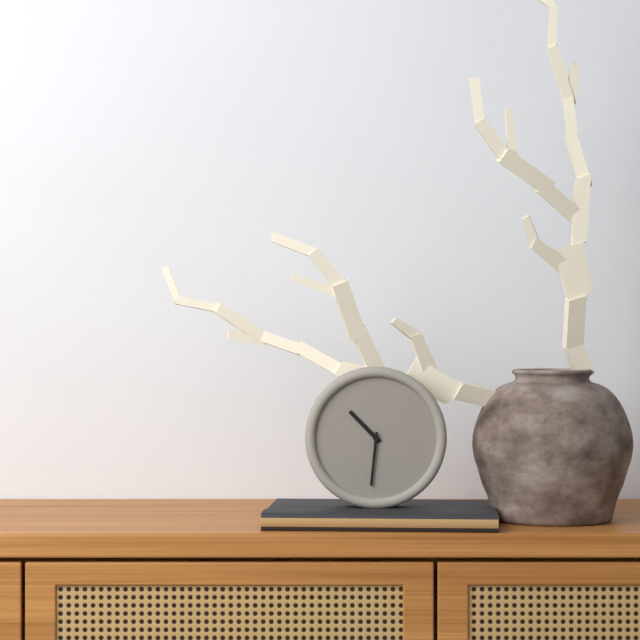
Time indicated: 10:31
